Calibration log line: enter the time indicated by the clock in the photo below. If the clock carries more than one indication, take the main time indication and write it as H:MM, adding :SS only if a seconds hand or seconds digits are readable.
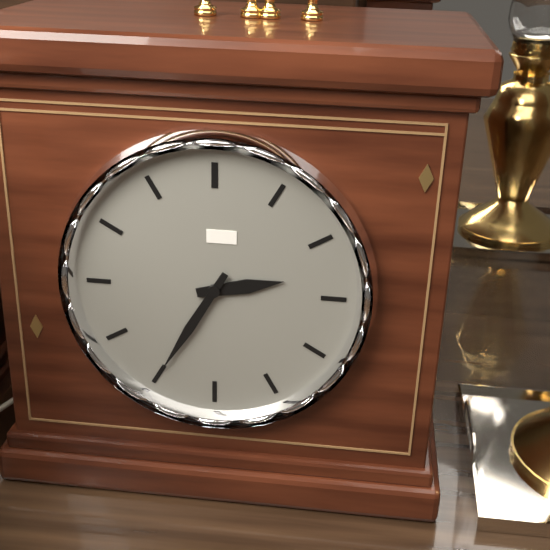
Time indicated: 2:35
